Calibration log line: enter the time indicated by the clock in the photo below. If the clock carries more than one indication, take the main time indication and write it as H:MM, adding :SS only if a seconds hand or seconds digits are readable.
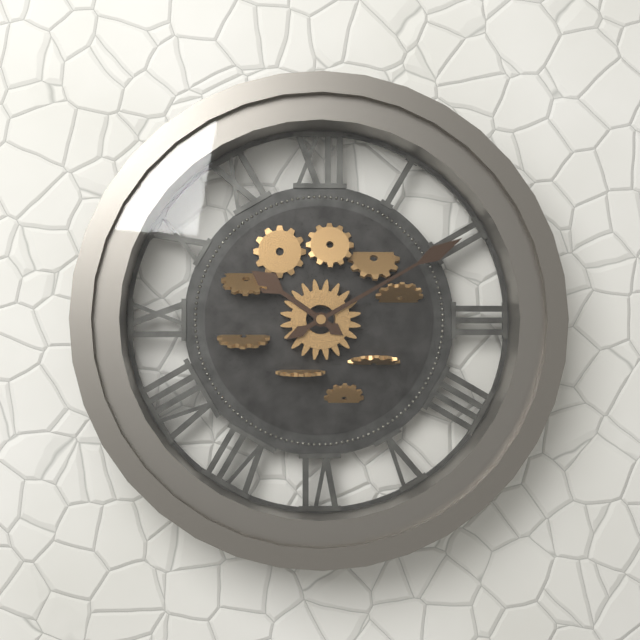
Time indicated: 10:10
